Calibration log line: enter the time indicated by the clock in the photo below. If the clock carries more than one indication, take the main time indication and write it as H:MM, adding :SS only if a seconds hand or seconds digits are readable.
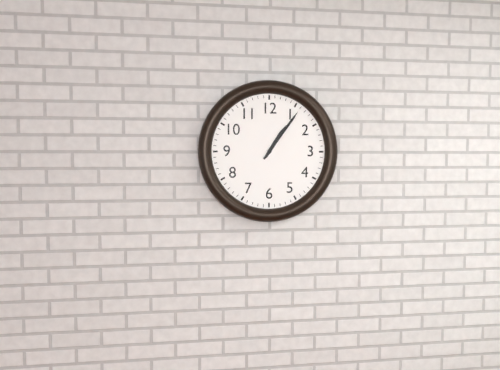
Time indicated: 1:06
